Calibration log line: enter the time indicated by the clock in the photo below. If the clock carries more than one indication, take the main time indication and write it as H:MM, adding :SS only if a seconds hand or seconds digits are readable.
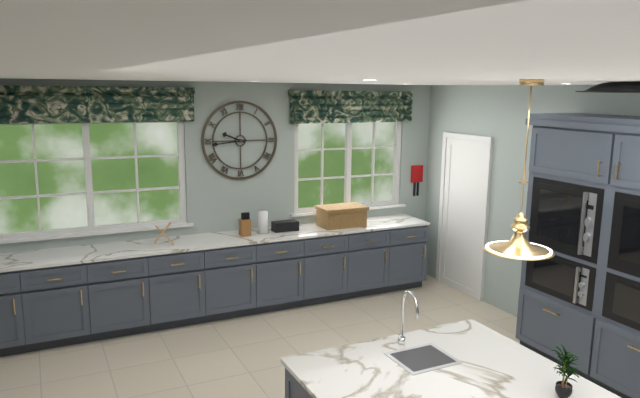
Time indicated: 9:44
